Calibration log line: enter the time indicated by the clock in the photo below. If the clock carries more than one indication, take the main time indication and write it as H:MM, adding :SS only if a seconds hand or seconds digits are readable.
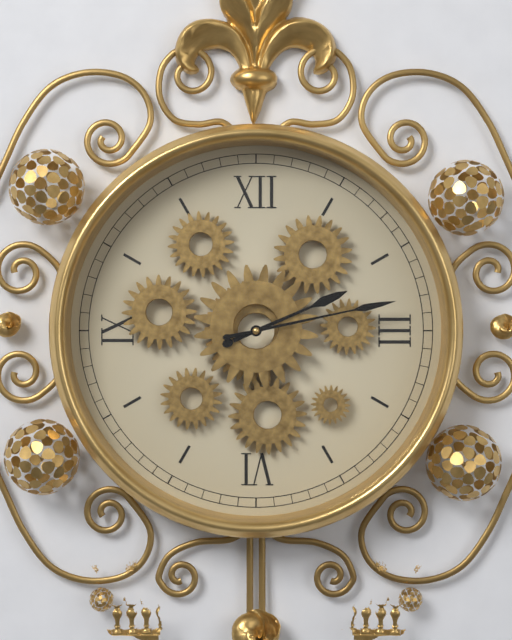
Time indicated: 2:13
